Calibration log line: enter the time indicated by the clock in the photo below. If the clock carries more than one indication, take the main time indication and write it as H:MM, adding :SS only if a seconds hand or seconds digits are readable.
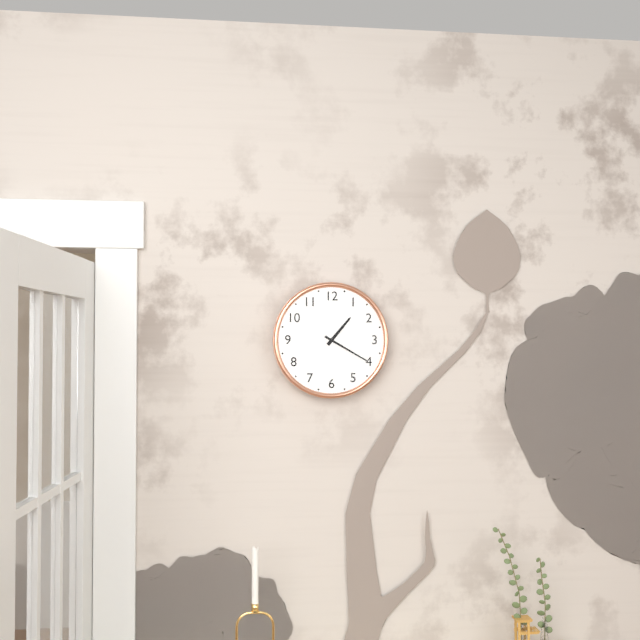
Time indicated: 1:20
